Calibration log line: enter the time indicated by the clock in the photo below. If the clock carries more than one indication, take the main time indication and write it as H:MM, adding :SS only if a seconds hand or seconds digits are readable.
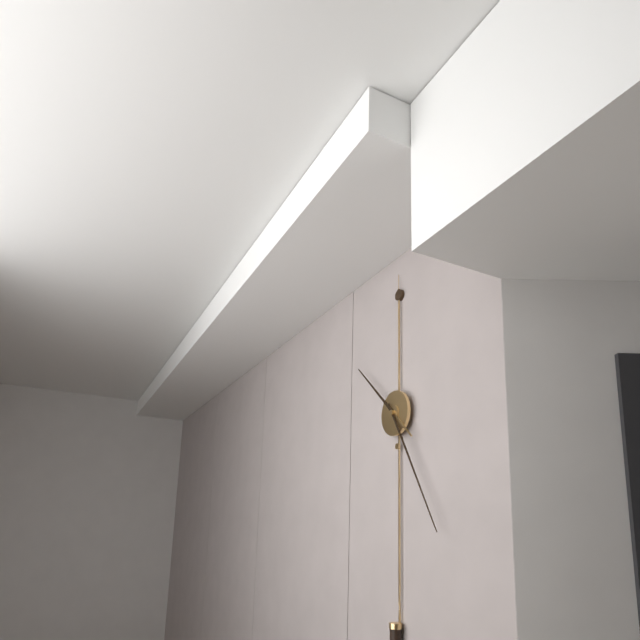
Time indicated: 10:25
